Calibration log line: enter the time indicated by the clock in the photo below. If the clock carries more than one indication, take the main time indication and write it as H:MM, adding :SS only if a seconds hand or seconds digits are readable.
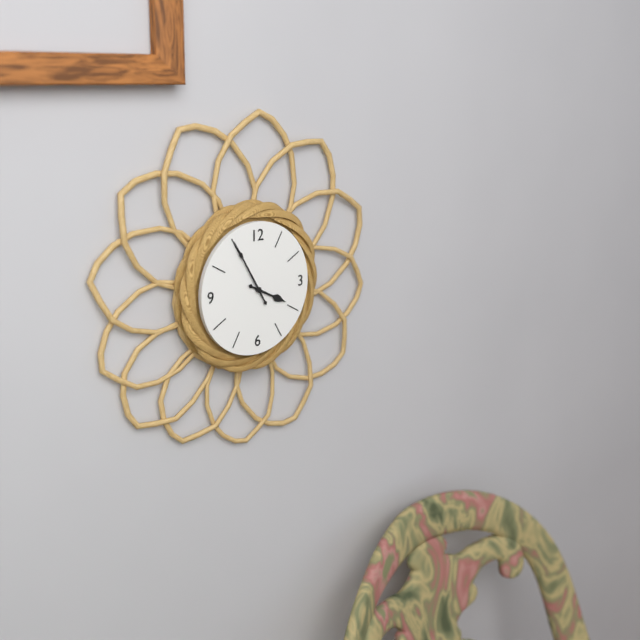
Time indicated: 3:55
